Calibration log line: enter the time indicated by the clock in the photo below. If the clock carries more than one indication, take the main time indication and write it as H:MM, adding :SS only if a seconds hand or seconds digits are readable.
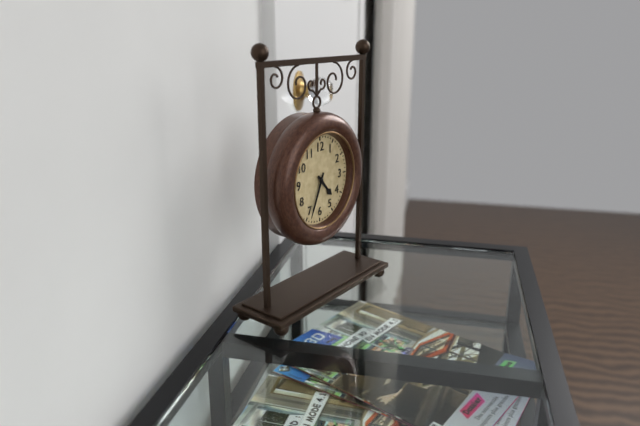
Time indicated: 4:34
